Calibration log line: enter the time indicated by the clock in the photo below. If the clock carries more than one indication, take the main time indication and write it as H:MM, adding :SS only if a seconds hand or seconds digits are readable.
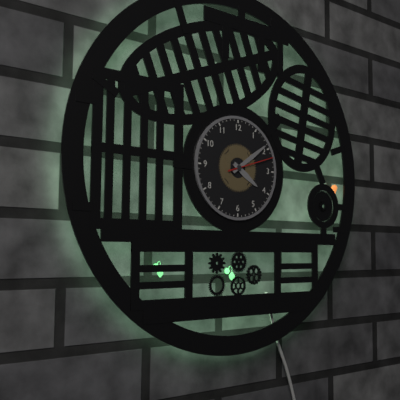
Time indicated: 4:09
